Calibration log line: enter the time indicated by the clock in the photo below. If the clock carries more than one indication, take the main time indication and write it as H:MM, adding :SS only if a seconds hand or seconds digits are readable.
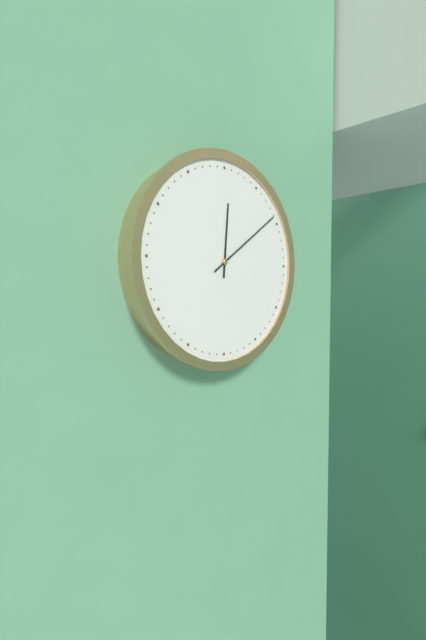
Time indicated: 12:09
